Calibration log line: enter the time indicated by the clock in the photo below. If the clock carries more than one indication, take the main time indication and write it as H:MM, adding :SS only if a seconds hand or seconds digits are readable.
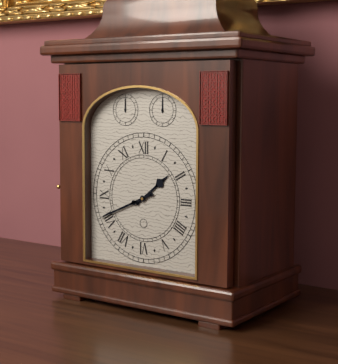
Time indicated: 1:41
